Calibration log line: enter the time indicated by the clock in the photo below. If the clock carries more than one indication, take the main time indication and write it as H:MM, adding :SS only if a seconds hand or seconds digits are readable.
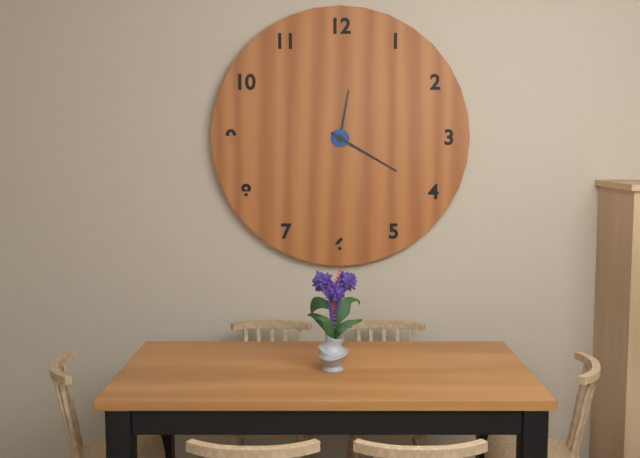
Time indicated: 12:20
